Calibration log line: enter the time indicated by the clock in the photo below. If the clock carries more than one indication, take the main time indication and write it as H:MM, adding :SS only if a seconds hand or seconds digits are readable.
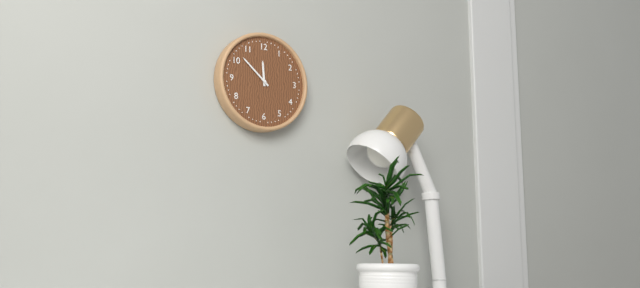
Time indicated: 11:52
